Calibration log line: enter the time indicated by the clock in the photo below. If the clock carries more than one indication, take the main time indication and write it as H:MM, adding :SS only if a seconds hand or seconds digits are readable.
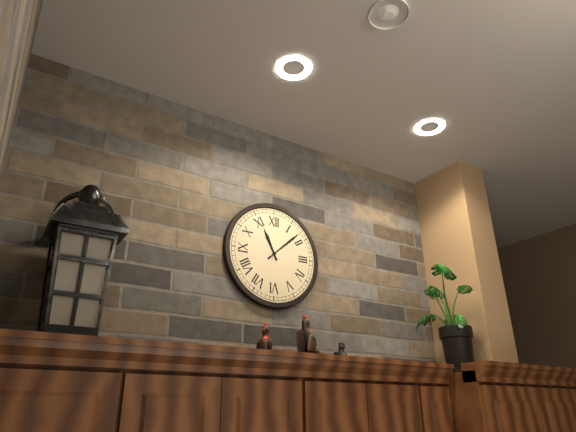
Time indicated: 11:08
